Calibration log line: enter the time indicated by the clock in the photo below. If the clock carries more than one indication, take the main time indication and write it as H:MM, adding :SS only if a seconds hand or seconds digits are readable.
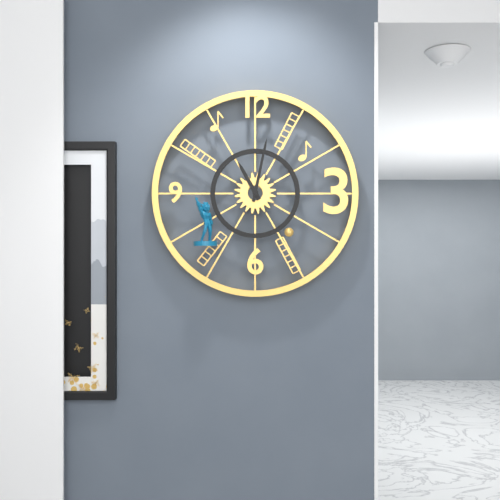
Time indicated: 11:02
